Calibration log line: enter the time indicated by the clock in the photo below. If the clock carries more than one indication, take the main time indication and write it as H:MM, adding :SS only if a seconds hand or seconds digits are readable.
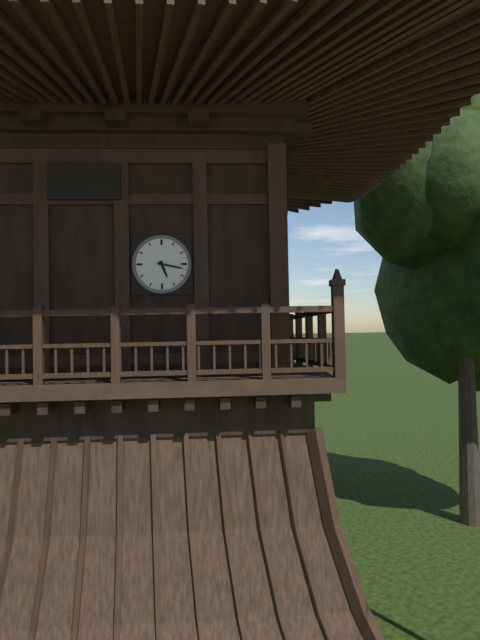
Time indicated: 5:17
